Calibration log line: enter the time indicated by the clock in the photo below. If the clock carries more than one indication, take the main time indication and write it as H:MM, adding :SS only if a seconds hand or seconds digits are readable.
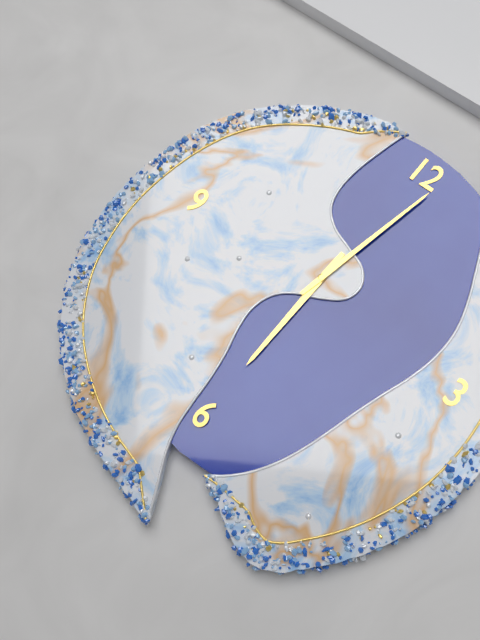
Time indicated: 6:02
